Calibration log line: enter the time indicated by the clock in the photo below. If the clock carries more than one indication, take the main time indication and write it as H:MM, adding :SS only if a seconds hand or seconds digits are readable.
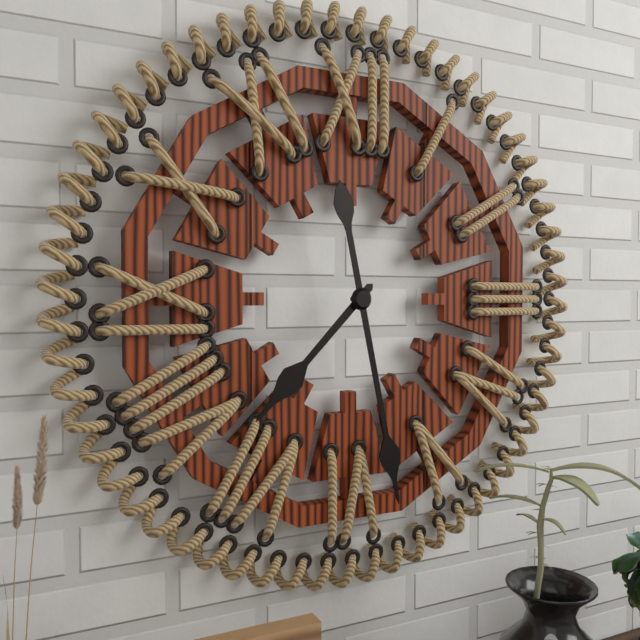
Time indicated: 7:28
